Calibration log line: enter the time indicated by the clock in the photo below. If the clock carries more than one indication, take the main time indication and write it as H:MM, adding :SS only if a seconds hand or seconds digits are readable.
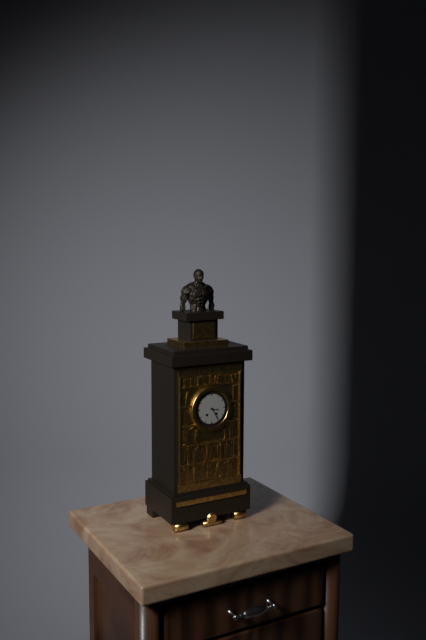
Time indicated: 3:25
